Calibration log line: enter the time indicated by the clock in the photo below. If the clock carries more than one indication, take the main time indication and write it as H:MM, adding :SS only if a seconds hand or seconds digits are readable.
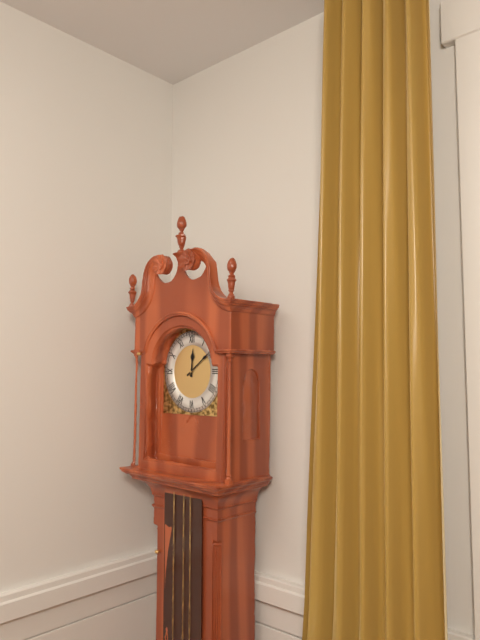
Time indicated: 12:09
